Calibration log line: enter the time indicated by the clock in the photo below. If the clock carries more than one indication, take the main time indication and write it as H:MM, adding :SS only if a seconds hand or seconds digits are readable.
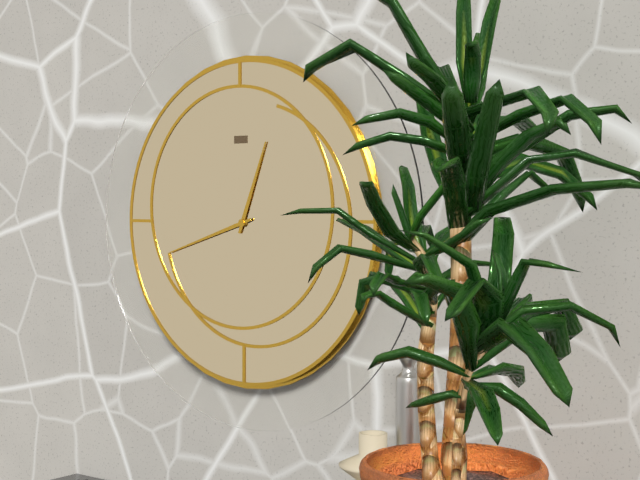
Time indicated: 12:42
